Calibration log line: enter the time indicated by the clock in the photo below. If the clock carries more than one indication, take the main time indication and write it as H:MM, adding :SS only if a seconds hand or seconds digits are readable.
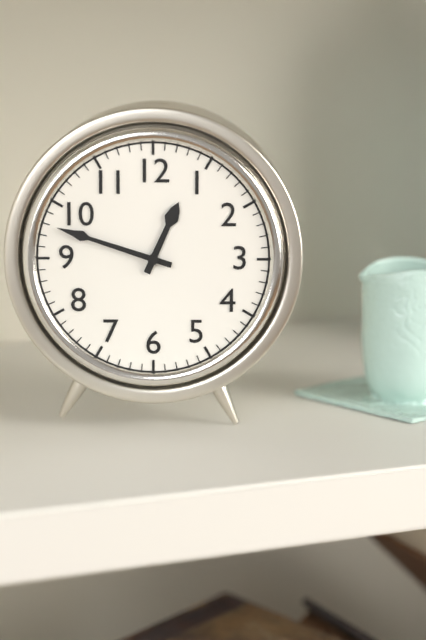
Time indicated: 12:48
